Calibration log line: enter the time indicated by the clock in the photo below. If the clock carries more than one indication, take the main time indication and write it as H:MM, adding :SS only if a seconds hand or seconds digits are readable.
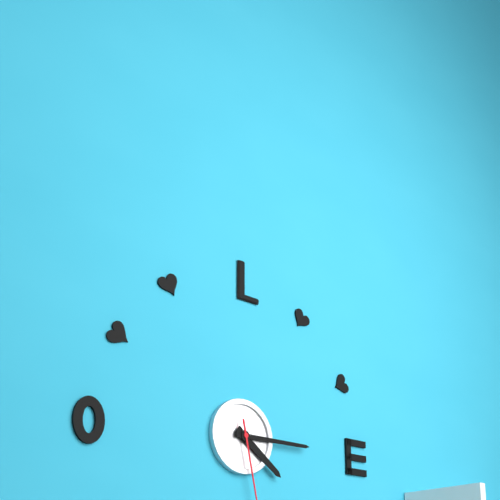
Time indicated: 4:15
